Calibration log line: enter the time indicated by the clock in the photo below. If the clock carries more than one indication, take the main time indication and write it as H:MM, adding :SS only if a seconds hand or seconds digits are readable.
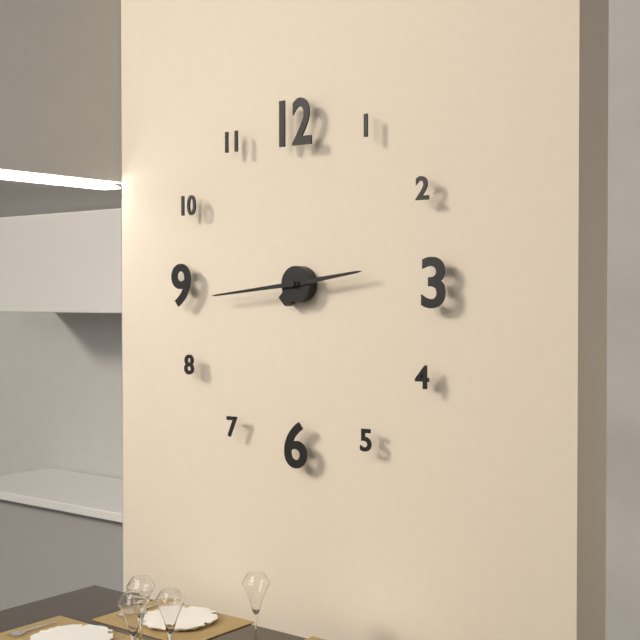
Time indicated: 2:44
